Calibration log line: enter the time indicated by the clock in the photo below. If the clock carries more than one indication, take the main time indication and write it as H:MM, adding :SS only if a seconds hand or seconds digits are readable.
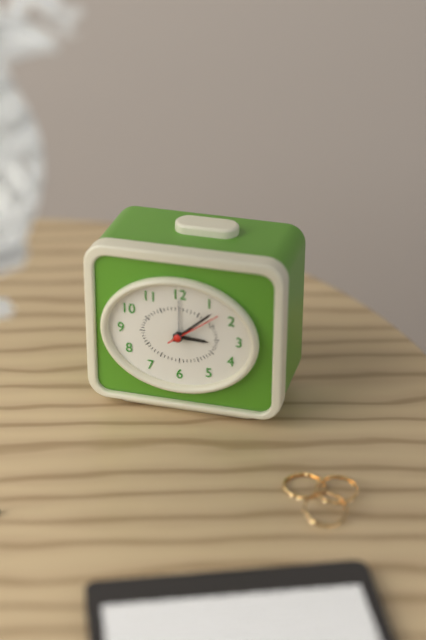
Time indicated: 3:08
